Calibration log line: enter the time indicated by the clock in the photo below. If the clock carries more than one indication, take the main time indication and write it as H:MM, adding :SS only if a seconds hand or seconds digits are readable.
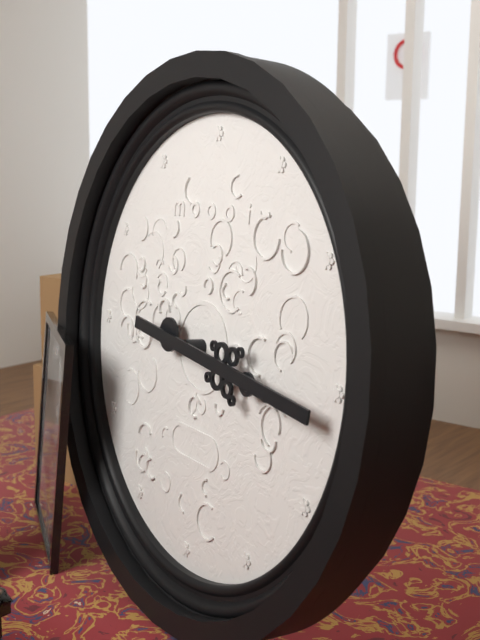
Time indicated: 3:16
